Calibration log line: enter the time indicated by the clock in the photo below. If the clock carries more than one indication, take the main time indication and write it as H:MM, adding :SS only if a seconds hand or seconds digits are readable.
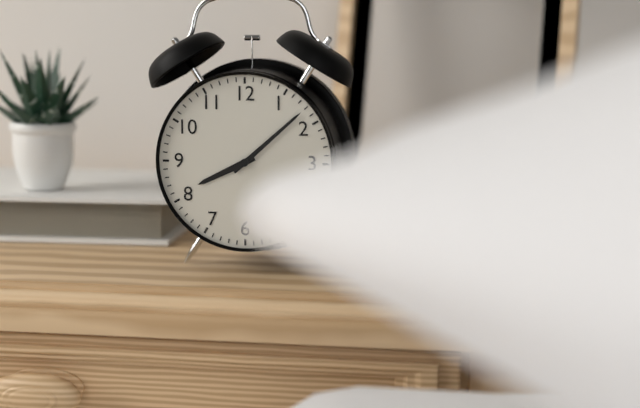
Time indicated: 8:08
